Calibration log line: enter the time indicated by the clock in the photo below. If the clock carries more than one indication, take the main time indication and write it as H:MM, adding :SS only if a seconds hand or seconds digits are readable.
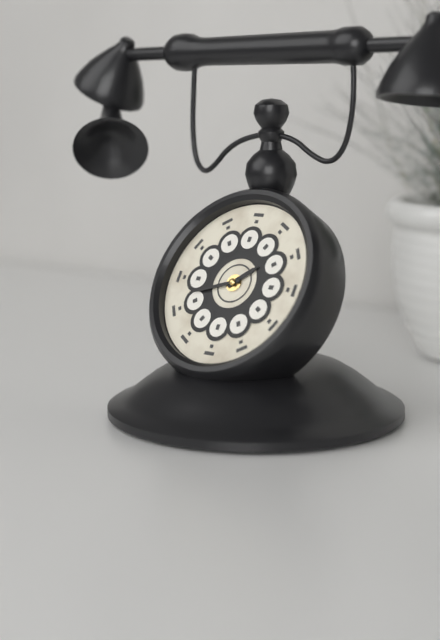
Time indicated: 1:42
